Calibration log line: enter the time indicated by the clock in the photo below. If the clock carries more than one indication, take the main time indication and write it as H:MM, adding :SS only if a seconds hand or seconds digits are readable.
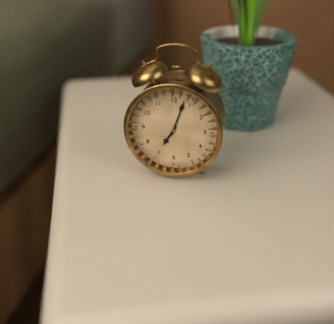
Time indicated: 7:03
